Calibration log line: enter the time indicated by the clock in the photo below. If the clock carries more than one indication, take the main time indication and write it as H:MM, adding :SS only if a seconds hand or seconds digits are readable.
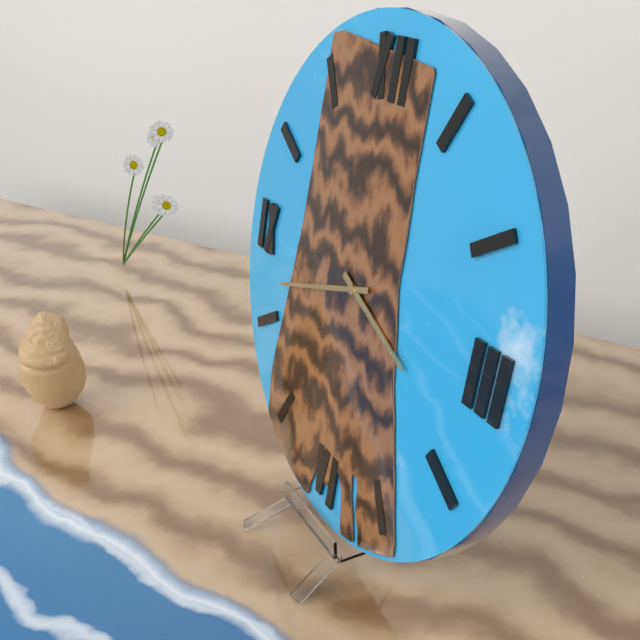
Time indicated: 3:42
